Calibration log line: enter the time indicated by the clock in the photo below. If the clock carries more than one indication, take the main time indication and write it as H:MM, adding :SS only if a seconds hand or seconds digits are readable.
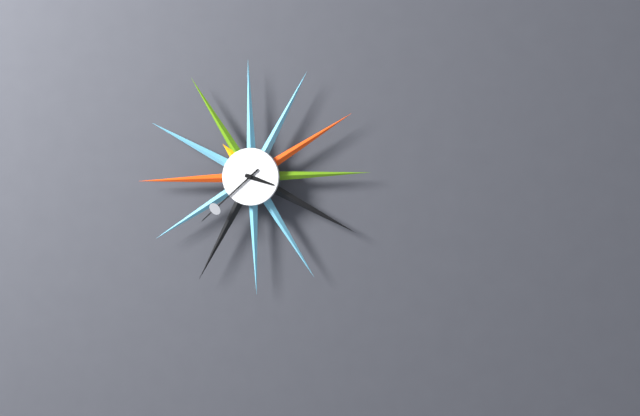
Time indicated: 3:38
